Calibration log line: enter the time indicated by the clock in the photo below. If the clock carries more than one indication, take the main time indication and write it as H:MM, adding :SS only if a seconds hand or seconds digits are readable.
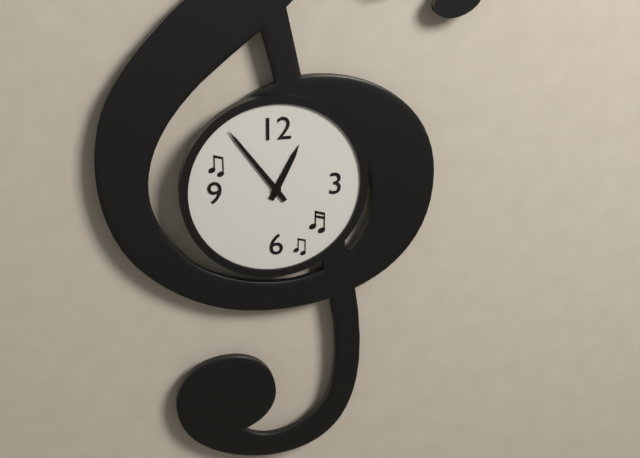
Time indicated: 12:54
